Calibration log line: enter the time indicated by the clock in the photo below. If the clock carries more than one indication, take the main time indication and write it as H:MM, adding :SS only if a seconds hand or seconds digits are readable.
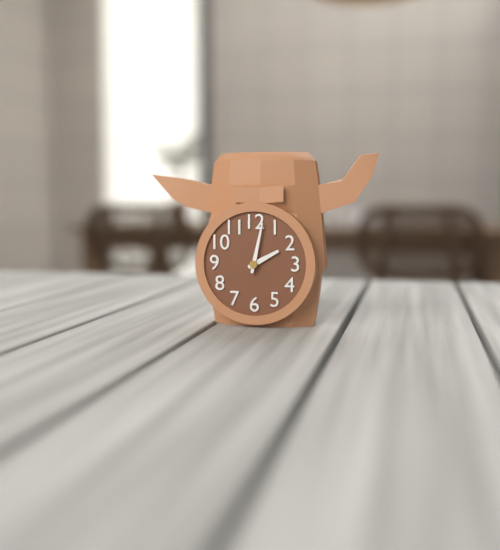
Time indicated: 2:02
